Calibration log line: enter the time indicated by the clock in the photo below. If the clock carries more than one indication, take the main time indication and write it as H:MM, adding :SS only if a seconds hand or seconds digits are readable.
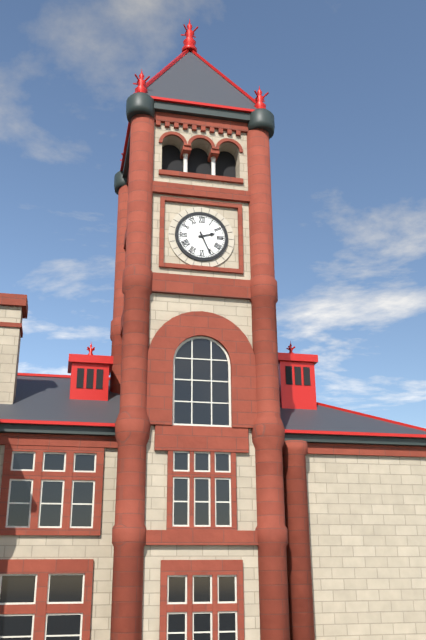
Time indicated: 2:26
